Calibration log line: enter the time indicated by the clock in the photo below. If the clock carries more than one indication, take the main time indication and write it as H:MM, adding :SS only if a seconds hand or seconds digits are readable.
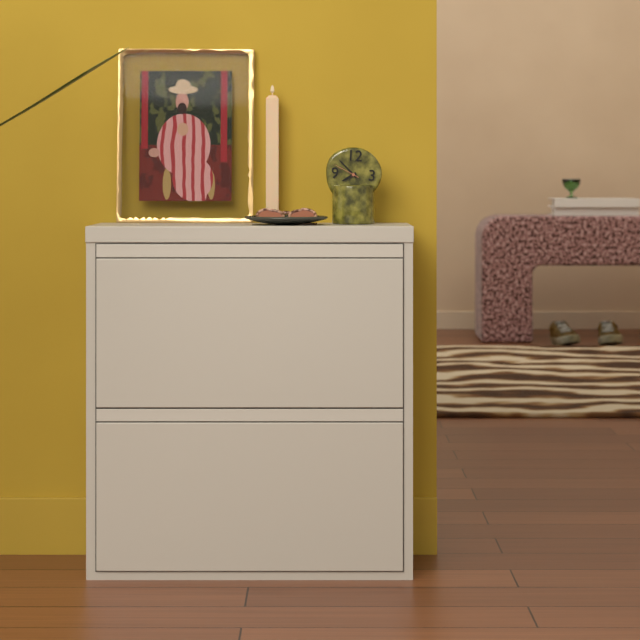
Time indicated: 7:52
